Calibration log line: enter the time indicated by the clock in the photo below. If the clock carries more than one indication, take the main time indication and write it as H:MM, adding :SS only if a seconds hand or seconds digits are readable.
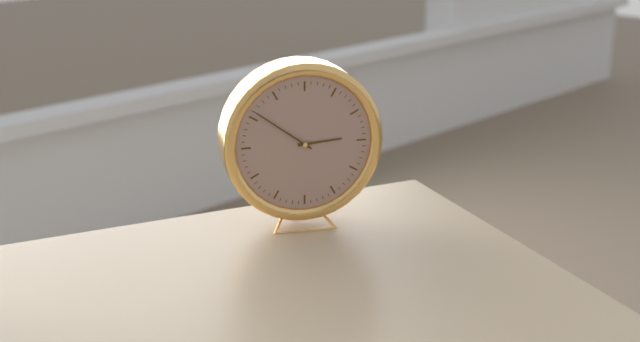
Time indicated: 2:51
